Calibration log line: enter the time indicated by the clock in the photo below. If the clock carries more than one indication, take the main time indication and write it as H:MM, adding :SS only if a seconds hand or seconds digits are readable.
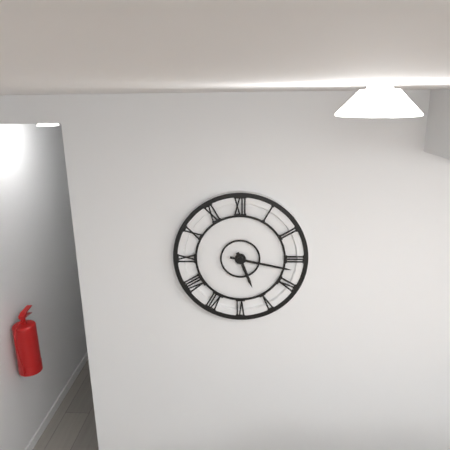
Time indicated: 5:17
